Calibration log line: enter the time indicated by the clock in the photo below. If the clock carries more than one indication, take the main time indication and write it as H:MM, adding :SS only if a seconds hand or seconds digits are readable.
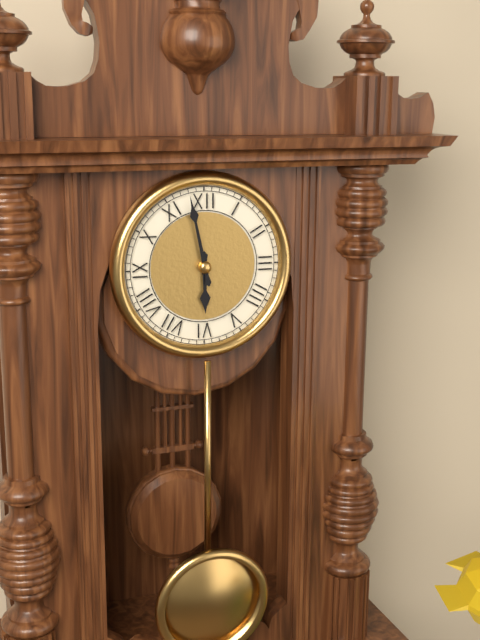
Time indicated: 5:58
